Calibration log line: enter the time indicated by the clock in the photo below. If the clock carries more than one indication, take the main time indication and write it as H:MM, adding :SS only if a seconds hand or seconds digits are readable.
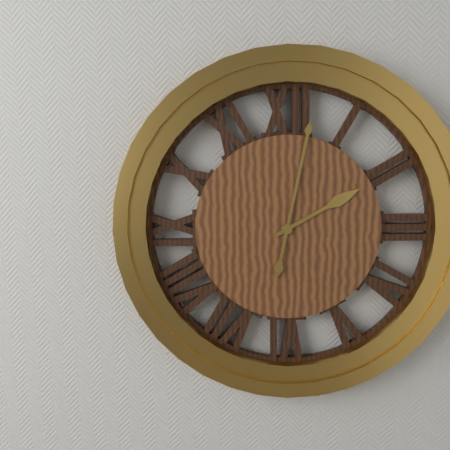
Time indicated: 2:02
